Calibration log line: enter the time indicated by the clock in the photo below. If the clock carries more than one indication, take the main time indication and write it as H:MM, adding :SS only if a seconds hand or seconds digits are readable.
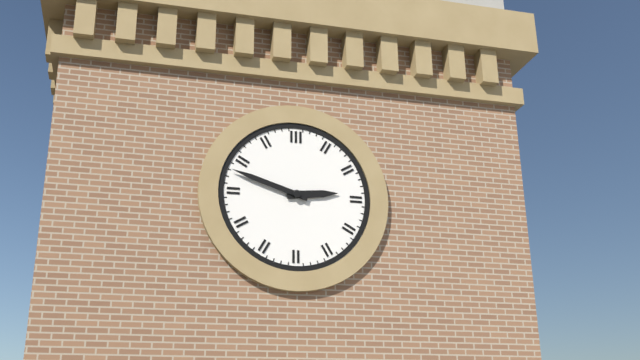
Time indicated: 2:48
